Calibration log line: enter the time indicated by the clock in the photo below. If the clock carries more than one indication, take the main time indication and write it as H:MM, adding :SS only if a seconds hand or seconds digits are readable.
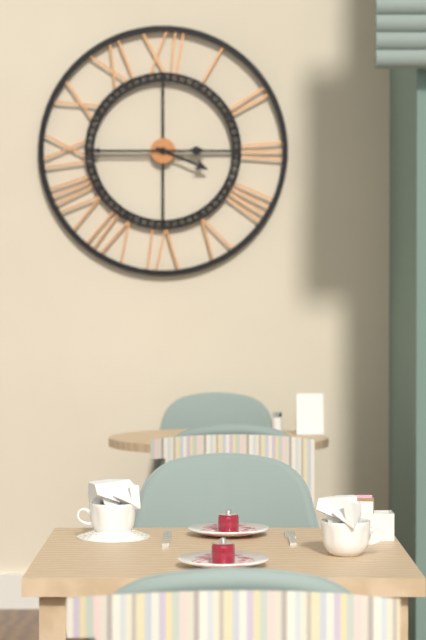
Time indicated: 3:45
